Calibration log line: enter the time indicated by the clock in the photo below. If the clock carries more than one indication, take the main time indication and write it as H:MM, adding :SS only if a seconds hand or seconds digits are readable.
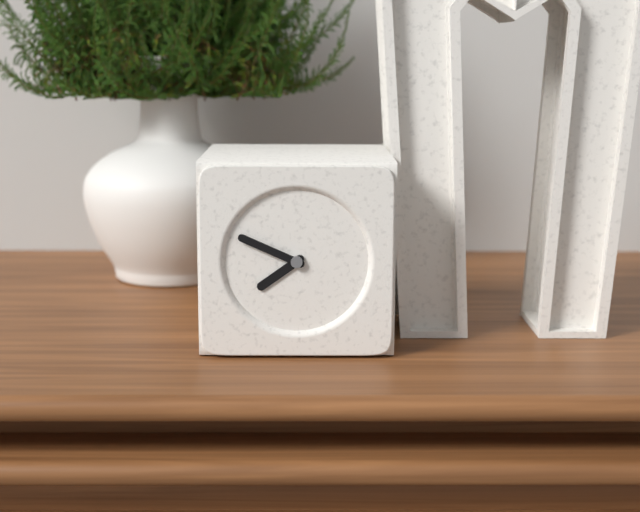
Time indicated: 7:49
